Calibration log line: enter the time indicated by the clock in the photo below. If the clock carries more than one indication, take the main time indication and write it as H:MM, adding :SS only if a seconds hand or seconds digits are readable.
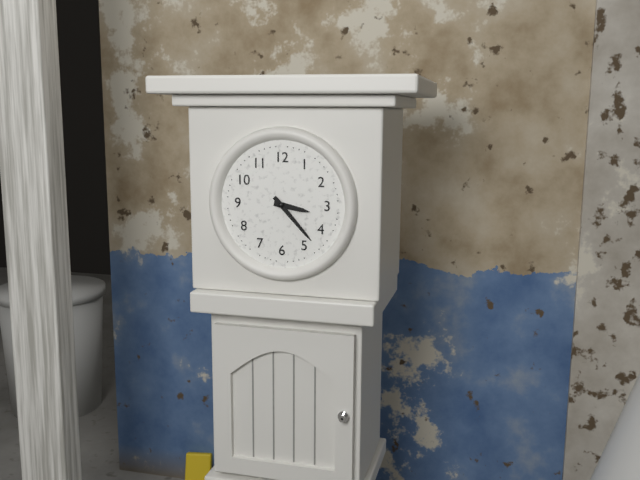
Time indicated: 3:23
